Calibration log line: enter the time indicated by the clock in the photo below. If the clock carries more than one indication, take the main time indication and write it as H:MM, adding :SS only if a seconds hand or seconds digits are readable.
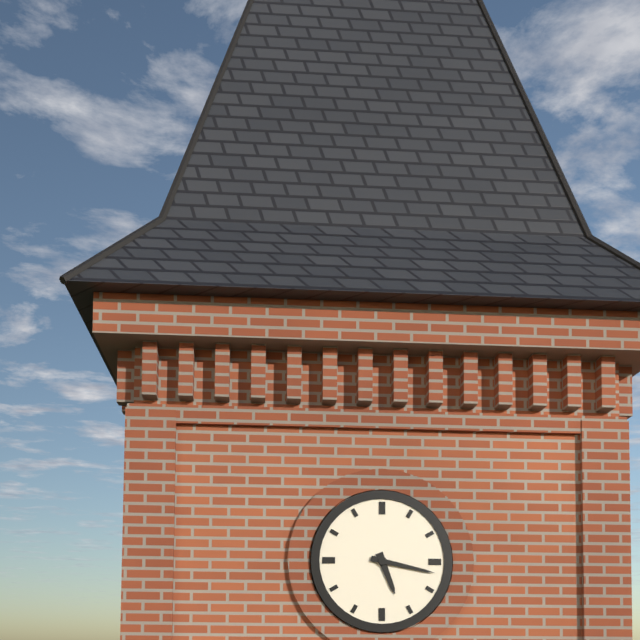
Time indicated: 5:17
